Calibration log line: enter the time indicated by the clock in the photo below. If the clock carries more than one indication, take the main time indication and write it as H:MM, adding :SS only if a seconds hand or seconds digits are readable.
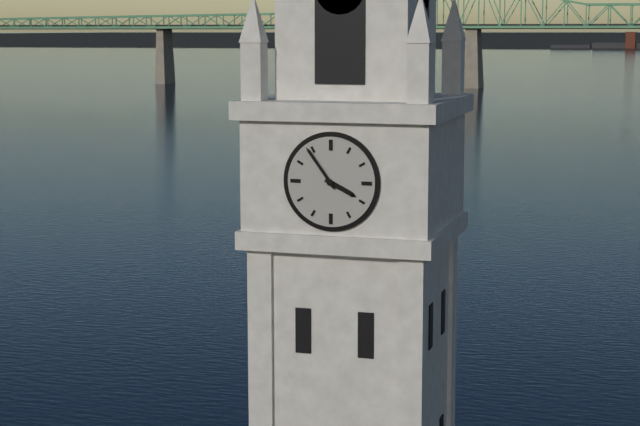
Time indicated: 3:54
